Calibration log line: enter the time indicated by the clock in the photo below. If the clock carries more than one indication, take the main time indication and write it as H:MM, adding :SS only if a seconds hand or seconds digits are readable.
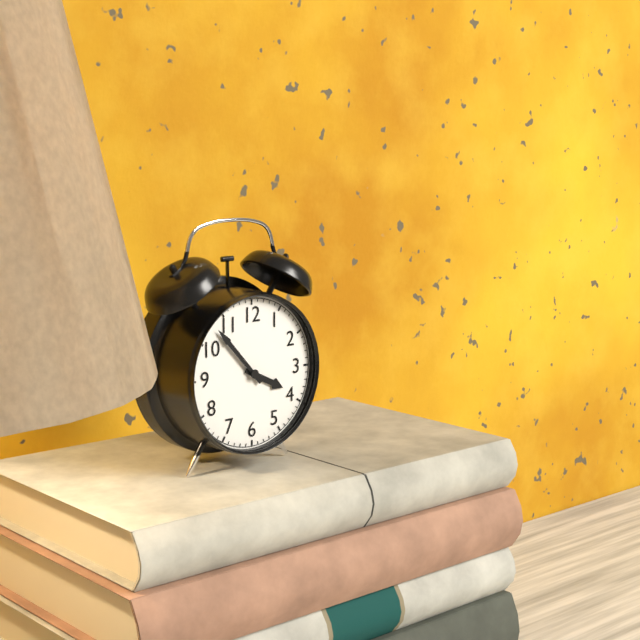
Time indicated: 3:53
